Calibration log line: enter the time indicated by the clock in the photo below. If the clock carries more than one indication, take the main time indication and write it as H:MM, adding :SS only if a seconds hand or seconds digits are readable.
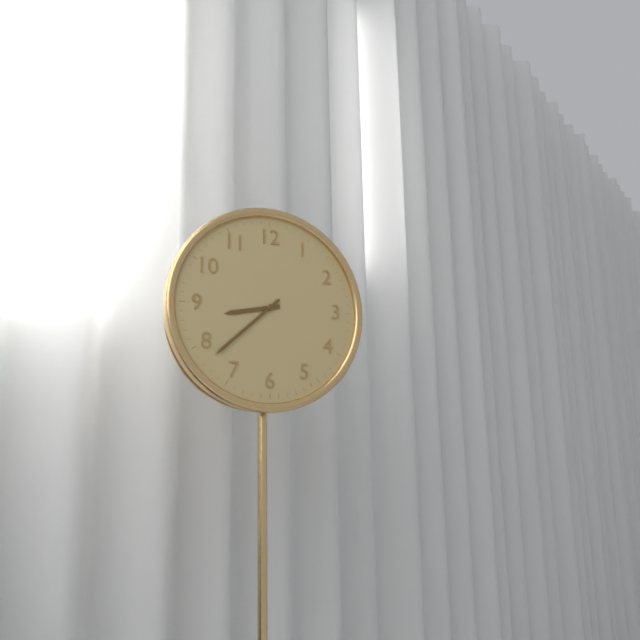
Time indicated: 8:38
